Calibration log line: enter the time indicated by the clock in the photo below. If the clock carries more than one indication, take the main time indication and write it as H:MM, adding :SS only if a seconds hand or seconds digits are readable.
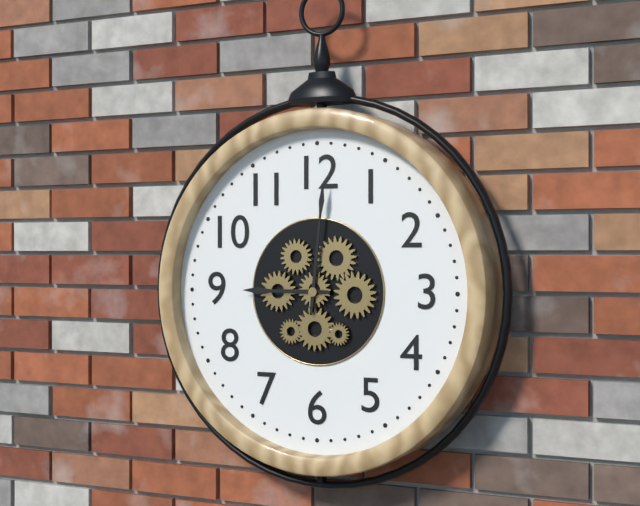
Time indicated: 9:01
